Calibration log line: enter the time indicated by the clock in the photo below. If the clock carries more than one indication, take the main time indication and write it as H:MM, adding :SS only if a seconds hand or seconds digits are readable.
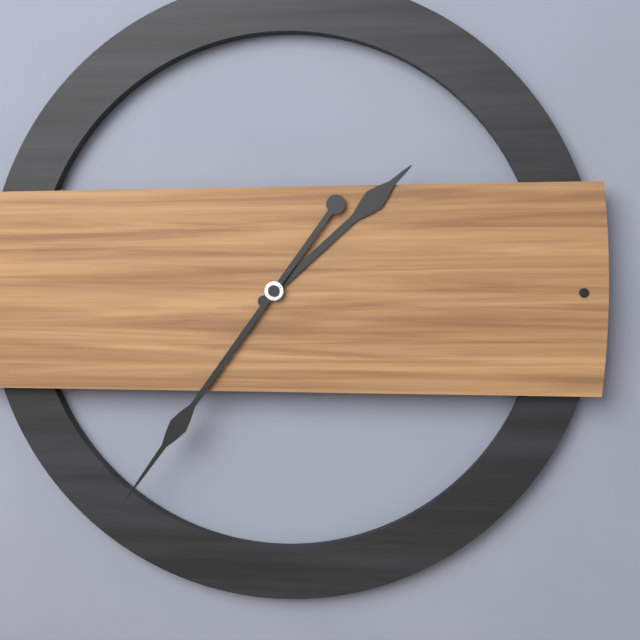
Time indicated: 1:36
